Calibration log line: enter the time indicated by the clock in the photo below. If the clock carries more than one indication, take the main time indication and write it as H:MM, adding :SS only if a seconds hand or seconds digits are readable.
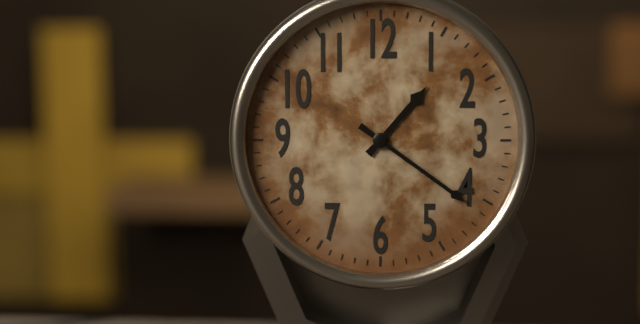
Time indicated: 1:21
